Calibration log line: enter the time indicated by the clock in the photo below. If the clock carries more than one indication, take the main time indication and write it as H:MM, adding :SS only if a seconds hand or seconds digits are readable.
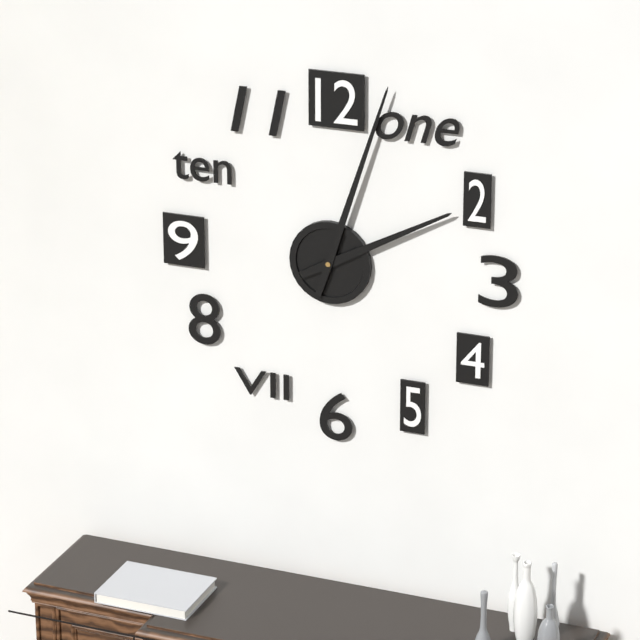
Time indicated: 2:03
